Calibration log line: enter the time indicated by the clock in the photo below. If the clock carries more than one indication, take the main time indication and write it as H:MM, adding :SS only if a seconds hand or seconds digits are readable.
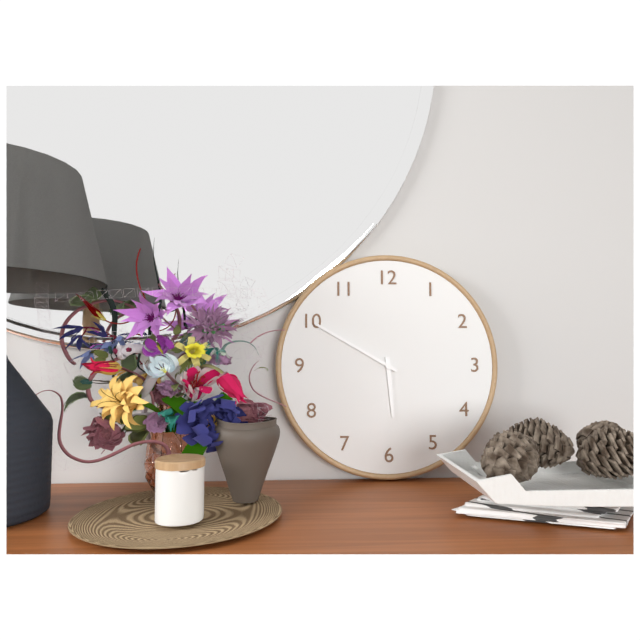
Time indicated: 5:50
